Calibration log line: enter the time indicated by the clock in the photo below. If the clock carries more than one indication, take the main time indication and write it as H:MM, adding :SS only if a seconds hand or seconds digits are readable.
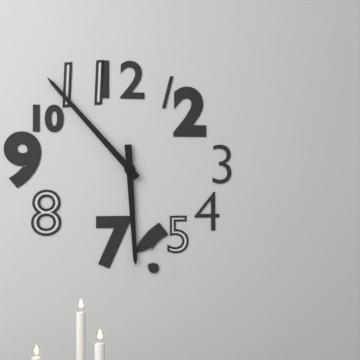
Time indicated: 5:53
